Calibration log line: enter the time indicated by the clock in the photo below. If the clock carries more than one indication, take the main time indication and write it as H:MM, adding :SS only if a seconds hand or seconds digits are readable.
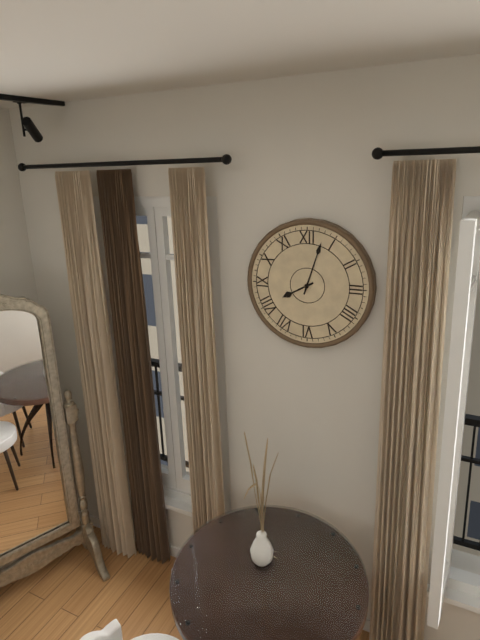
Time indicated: 8:03
